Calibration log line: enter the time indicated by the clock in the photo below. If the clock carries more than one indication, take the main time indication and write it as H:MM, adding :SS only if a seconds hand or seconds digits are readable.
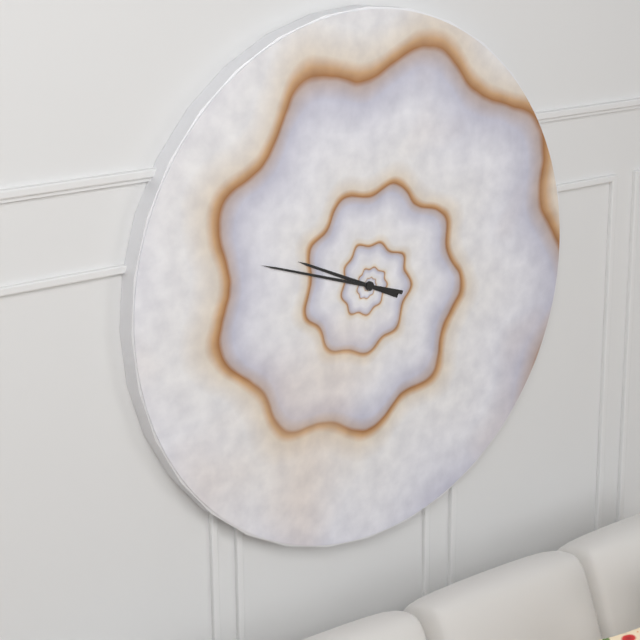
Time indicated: 9:48
